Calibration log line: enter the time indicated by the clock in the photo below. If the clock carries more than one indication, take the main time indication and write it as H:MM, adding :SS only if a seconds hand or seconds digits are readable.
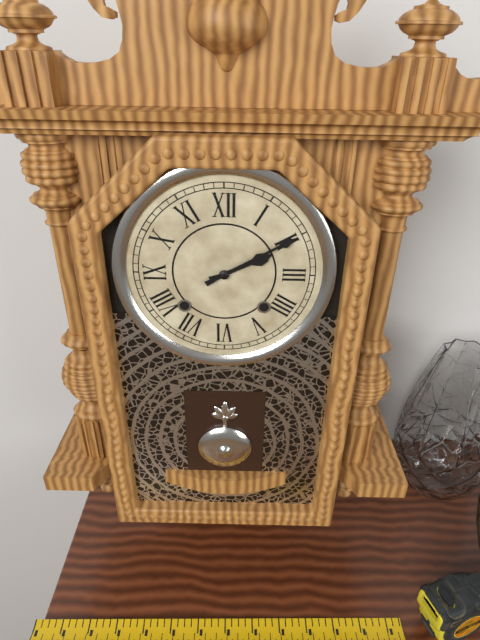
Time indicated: 2:10
